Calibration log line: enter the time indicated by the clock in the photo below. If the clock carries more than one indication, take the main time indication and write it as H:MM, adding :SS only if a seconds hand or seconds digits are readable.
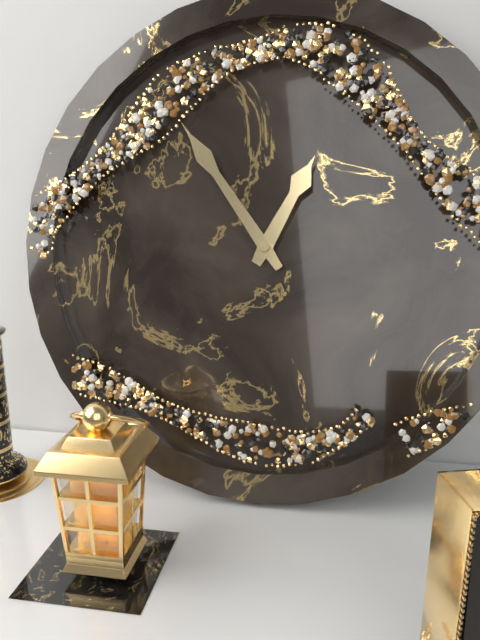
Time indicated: 12:54
